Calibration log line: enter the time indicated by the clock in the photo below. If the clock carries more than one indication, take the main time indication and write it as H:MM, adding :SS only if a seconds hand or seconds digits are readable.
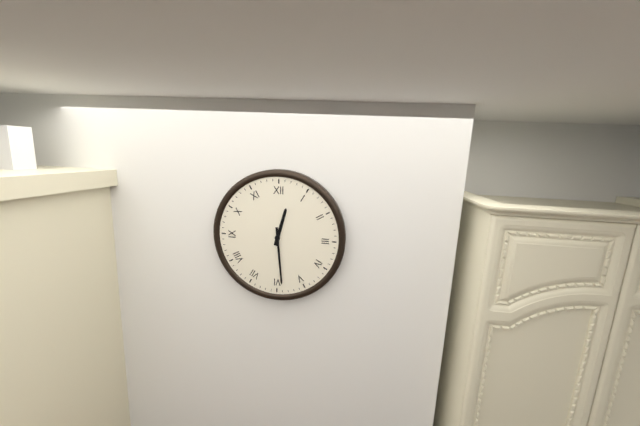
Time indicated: 12:29
